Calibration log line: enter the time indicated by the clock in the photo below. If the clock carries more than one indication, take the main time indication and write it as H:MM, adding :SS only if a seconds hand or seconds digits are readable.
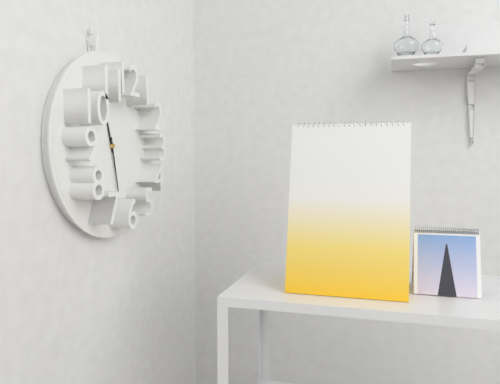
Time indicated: 11:28
